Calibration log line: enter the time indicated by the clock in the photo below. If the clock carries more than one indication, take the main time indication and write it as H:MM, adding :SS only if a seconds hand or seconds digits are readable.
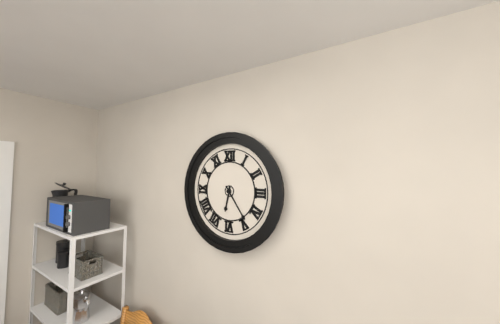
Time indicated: 6:24
